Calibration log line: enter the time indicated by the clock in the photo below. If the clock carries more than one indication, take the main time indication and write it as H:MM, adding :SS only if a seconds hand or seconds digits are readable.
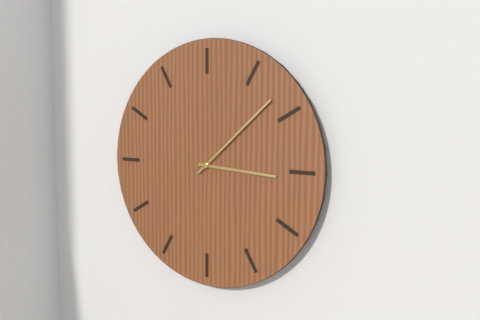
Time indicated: 3:08
